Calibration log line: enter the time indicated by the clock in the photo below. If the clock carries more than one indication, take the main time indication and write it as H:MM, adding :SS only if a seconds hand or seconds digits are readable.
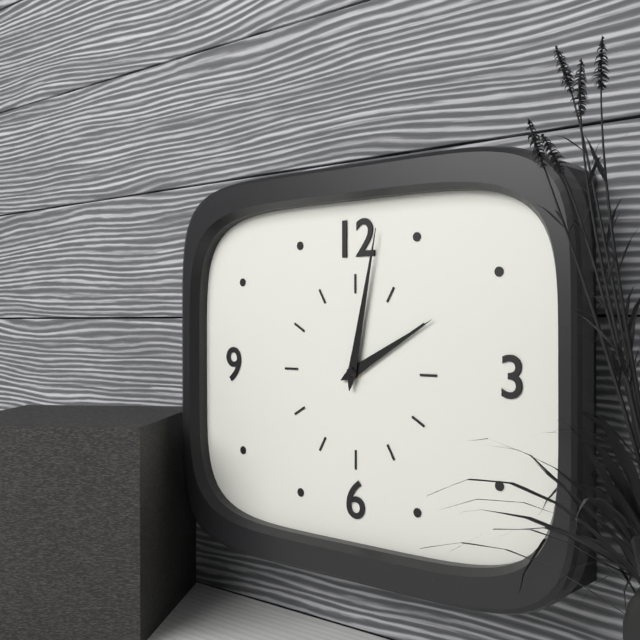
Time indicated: 2:02
